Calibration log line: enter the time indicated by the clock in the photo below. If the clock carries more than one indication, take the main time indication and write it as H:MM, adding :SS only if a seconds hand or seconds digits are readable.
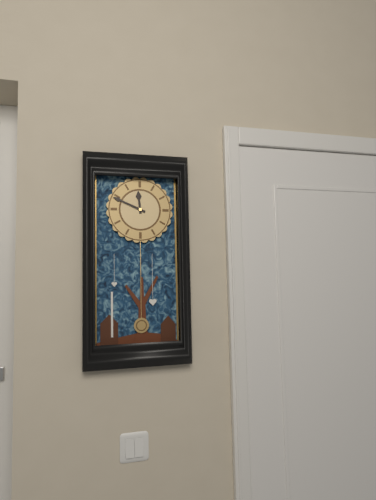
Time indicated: 11:49
